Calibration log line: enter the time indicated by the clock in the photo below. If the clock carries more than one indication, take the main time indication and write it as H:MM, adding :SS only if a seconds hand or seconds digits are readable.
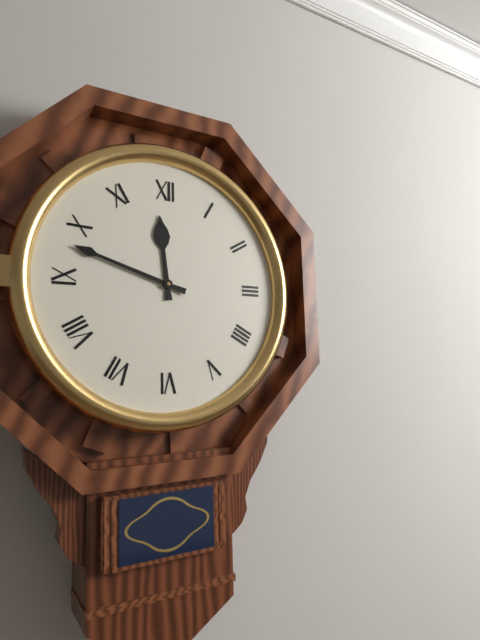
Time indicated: 11:48
